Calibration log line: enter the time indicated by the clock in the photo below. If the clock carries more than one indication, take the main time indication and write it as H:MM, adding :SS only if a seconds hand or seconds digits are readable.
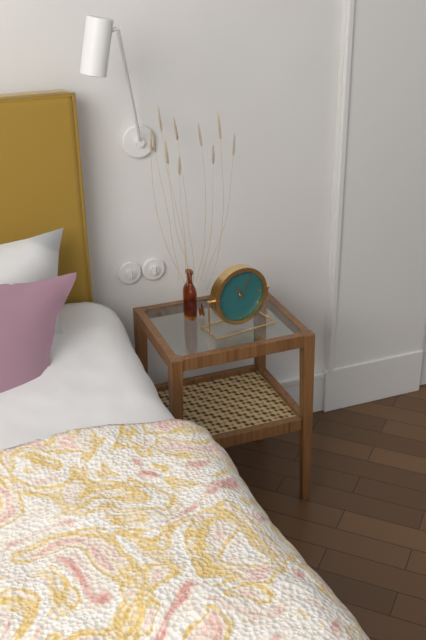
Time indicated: 11:05
